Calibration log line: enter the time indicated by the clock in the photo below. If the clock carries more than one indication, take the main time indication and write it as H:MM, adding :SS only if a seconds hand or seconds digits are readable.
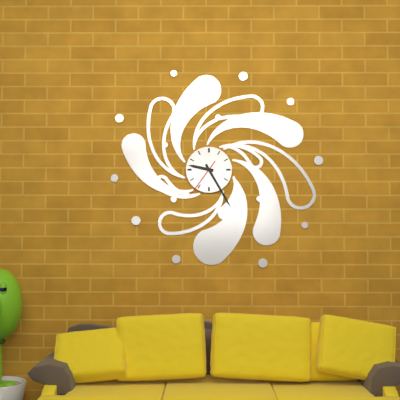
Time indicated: 9:25
